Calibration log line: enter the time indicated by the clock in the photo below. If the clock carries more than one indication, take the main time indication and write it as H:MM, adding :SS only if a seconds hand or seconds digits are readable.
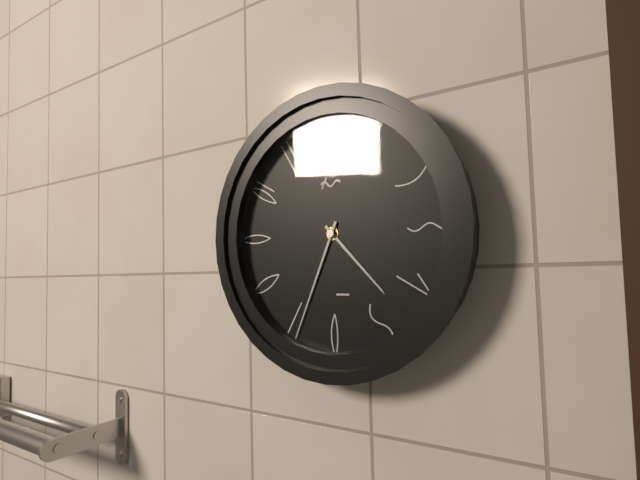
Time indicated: 4:34
